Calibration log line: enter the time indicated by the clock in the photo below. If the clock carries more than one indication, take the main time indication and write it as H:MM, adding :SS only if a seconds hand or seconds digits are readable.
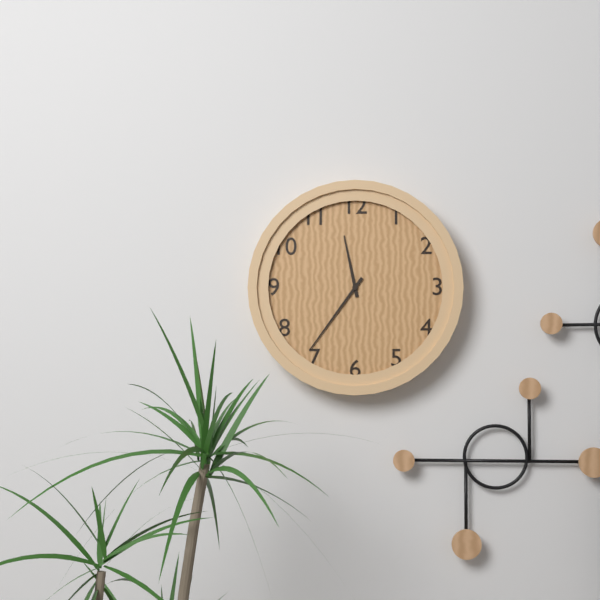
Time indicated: 11:36
